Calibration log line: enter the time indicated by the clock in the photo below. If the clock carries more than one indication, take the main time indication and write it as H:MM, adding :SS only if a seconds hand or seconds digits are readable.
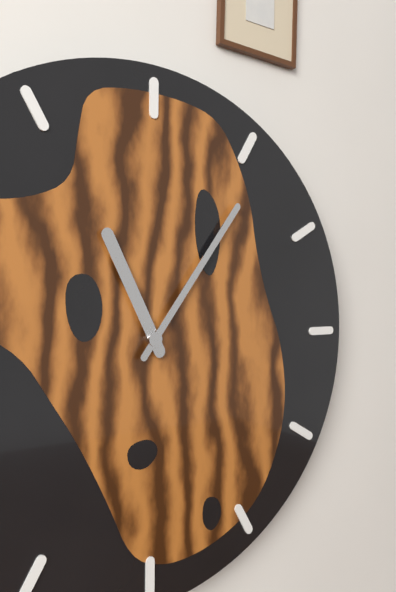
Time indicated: 11:06
